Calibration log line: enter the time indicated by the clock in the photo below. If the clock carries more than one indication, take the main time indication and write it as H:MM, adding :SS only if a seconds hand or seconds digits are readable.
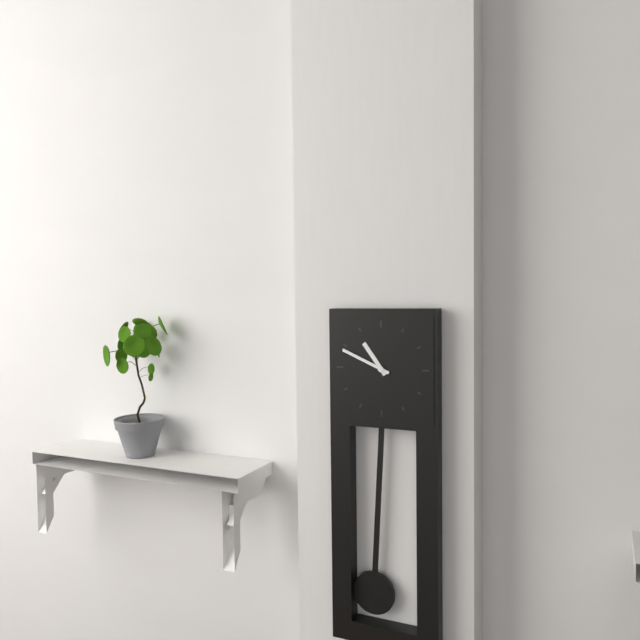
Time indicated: 10:49
